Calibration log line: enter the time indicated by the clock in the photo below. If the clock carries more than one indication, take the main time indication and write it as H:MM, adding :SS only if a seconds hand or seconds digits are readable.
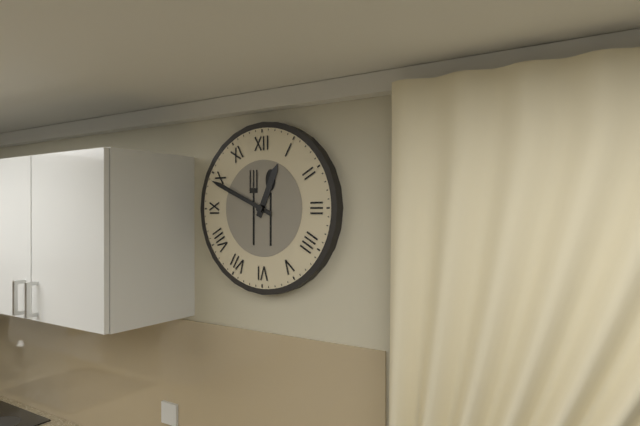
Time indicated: 12:49
